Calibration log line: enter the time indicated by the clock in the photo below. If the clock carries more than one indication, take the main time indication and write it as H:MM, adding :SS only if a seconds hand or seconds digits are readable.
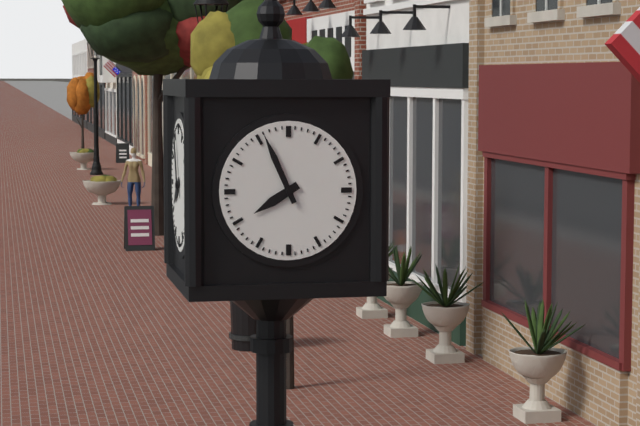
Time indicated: 7:56
